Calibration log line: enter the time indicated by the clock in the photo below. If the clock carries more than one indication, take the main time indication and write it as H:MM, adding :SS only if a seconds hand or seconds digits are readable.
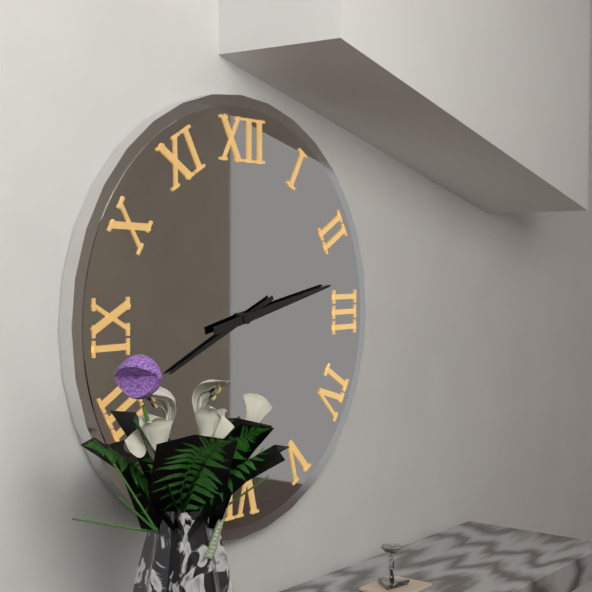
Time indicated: 8:13
